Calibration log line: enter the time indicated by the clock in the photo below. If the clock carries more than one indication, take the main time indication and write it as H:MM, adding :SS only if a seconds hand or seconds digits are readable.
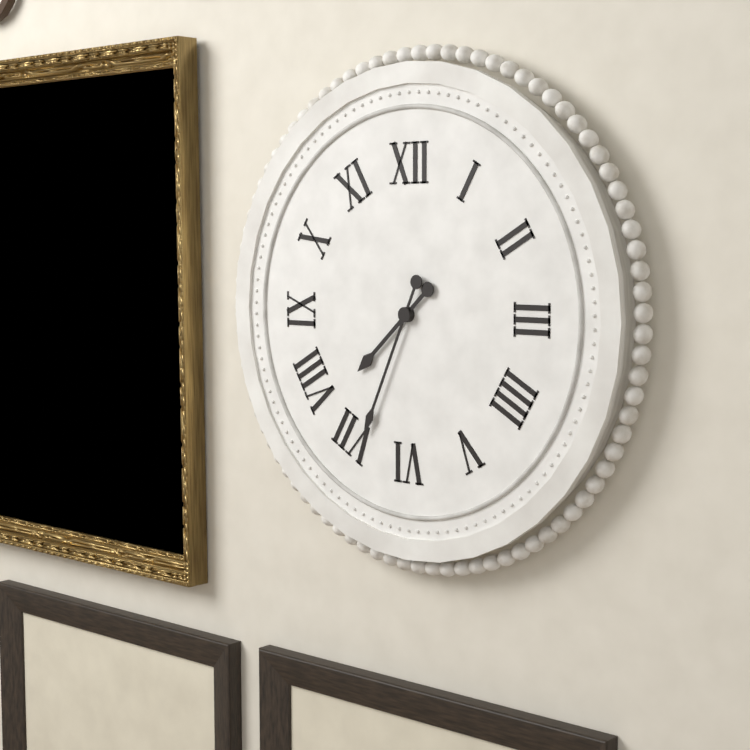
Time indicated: 7:34
